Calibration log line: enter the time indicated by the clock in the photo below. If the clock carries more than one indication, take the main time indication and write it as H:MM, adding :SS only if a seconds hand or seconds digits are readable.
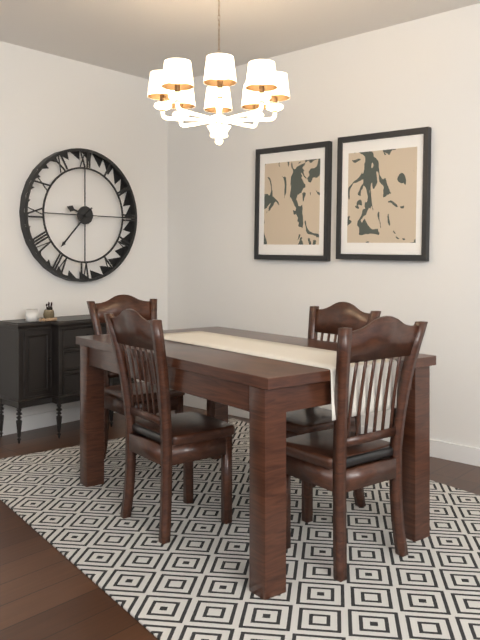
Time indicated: 9:37
